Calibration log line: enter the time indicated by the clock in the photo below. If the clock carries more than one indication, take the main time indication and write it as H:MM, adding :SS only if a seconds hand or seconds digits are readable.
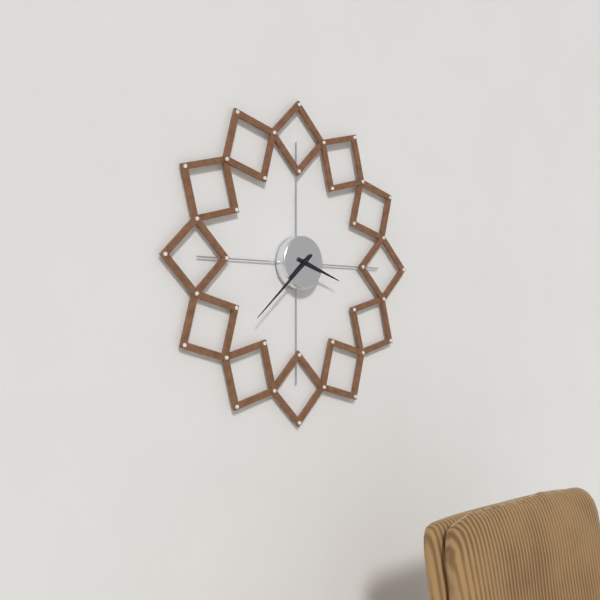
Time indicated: 3:38
